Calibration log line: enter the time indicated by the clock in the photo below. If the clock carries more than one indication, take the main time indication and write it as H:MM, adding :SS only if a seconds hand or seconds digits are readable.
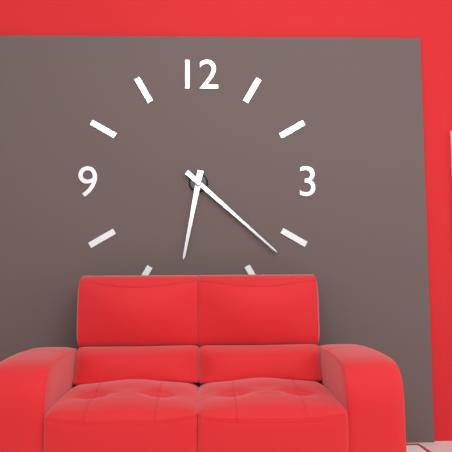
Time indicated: 6:22
